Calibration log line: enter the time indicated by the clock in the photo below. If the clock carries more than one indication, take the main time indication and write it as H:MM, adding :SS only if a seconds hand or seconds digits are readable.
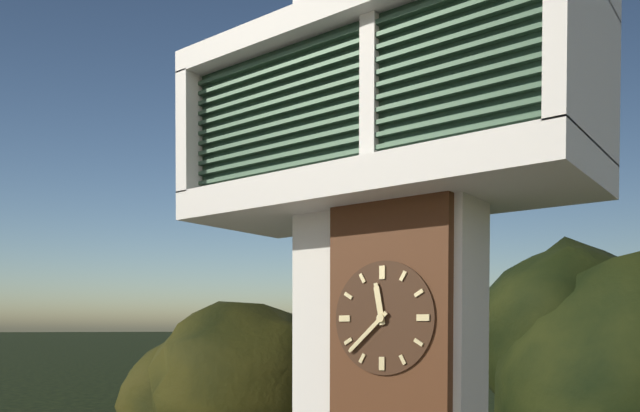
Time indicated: 11:38
